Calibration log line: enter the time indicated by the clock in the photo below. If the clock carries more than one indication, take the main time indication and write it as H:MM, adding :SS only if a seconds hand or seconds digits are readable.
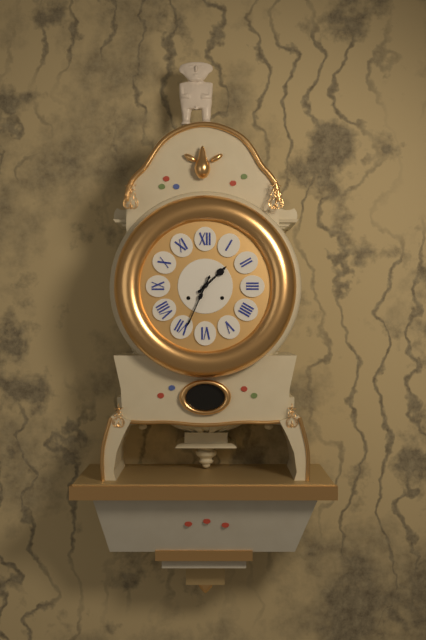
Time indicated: 1:34
